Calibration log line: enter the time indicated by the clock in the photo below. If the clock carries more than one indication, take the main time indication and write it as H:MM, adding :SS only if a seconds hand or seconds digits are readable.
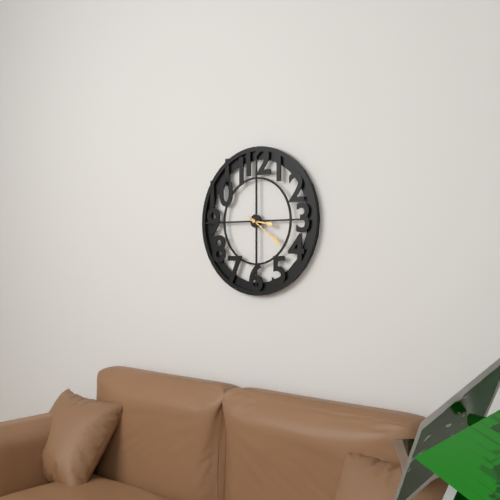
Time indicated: 3:21
